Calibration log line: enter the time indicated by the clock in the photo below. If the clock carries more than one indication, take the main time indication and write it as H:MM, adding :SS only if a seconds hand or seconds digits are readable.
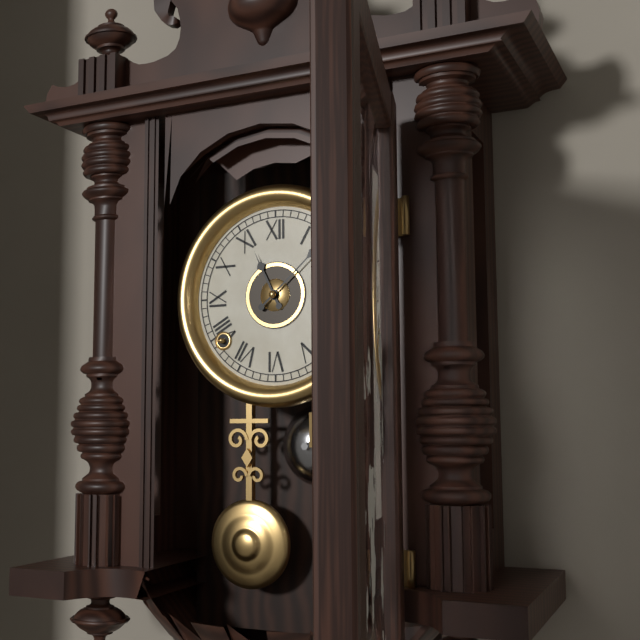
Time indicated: 11:08
